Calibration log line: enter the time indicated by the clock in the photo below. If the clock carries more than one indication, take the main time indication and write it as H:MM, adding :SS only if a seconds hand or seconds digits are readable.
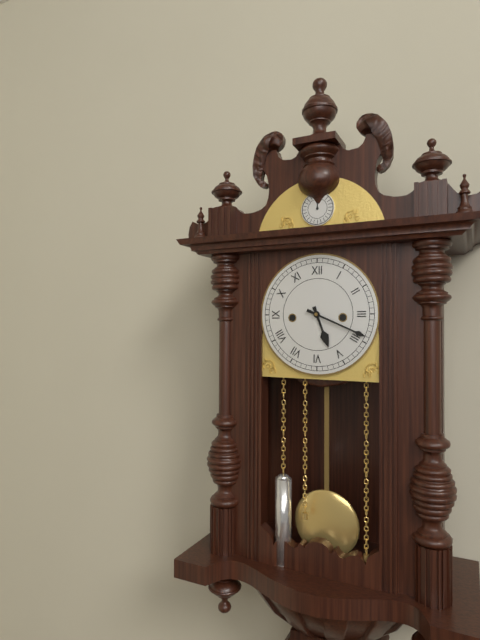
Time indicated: 5:19
